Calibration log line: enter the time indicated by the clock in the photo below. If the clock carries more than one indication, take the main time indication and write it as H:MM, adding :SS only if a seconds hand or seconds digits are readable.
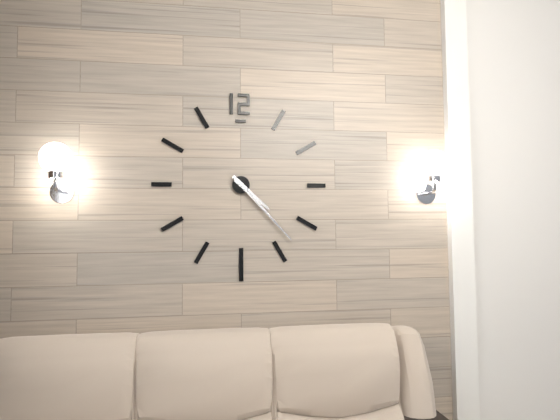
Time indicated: 4:23
